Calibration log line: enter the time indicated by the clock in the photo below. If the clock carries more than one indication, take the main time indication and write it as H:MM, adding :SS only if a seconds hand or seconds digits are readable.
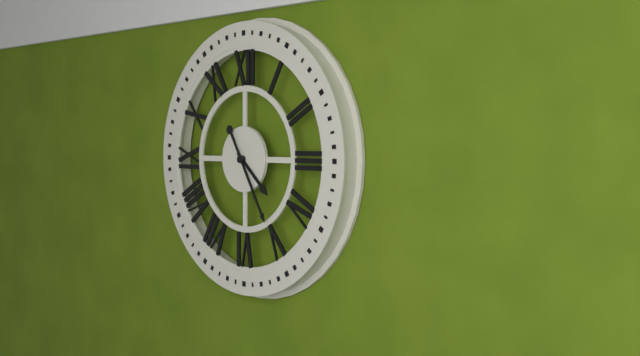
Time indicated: 4:25
